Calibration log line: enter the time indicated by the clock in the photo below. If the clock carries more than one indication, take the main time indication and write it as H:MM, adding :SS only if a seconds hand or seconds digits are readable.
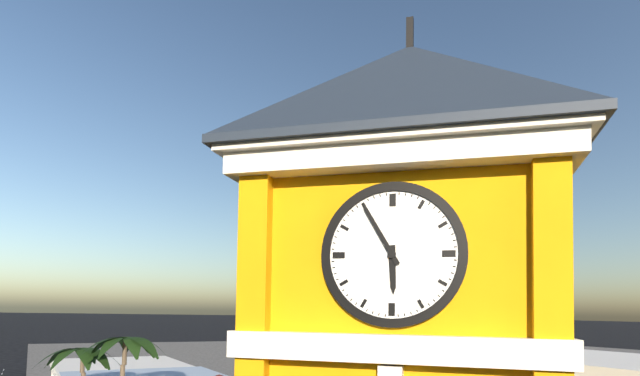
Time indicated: 5:55
